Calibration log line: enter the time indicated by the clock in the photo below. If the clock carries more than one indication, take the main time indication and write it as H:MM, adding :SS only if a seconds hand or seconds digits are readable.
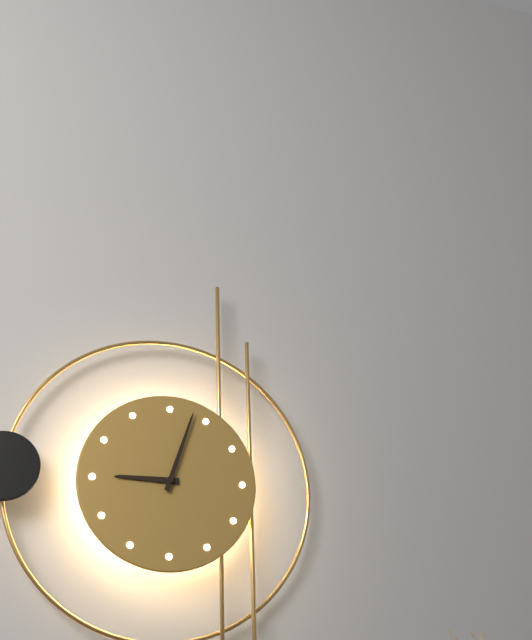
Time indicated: 9:03
